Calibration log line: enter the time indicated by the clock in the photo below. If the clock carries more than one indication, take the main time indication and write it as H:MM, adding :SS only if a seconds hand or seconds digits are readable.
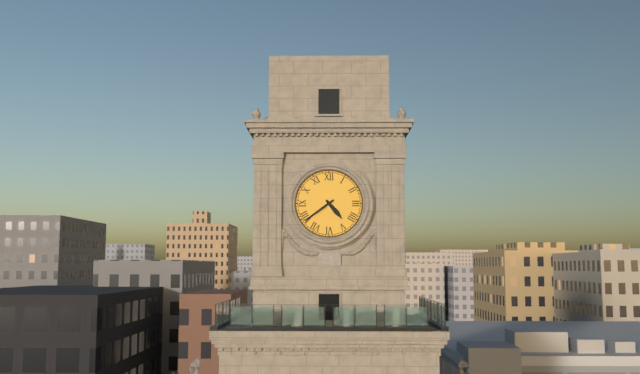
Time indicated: 4:39
